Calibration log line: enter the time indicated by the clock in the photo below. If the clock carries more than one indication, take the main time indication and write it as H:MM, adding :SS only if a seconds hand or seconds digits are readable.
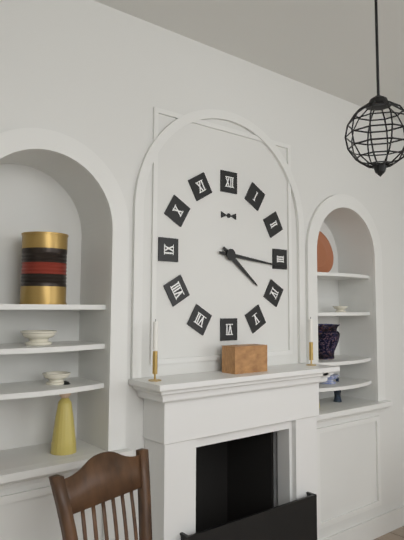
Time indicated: 4:16
